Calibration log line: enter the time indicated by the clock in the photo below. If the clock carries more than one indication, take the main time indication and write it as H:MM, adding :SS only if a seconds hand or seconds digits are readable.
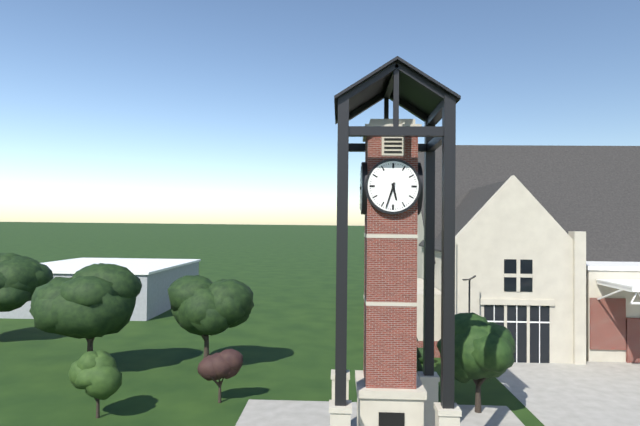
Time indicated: 5:33
